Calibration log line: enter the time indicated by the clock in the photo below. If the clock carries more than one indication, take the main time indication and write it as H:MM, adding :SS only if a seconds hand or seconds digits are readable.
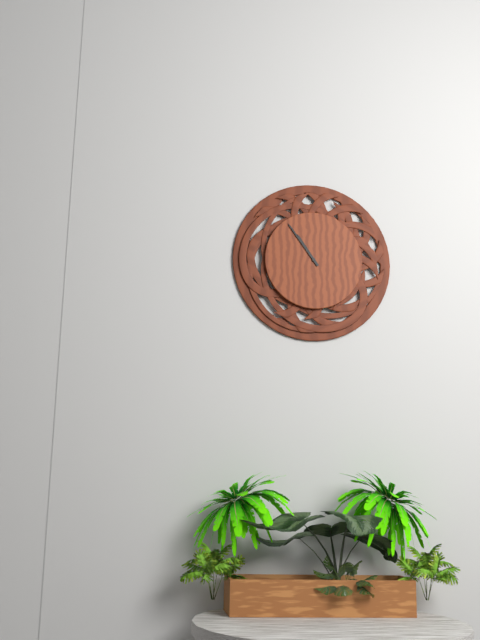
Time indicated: 10:54
